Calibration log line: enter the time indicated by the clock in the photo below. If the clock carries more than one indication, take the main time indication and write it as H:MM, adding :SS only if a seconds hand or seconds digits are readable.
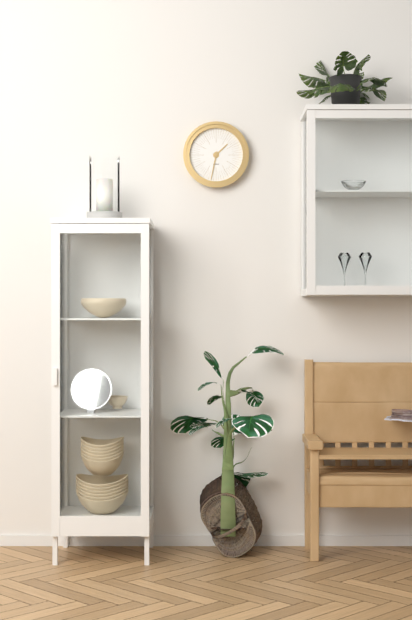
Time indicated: 1:32
